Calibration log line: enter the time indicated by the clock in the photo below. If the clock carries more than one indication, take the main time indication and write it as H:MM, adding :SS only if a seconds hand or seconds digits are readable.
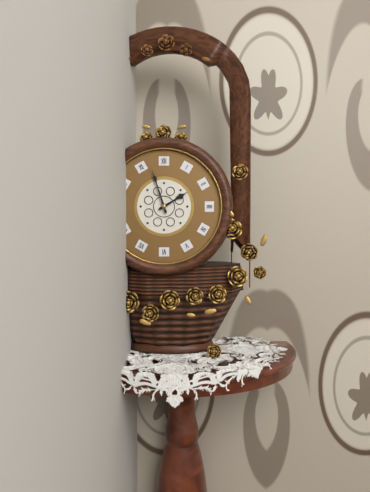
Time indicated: 1:57
